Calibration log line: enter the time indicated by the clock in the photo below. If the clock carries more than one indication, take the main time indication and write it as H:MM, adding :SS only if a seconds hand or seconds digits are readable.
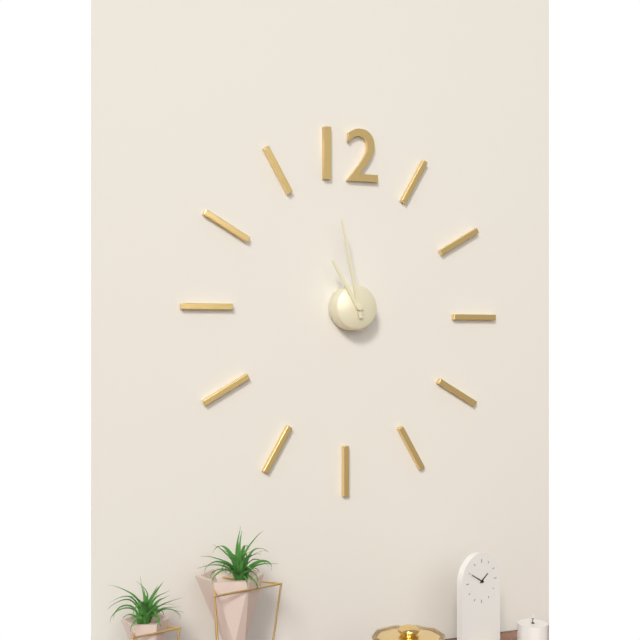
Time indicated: 10:58
